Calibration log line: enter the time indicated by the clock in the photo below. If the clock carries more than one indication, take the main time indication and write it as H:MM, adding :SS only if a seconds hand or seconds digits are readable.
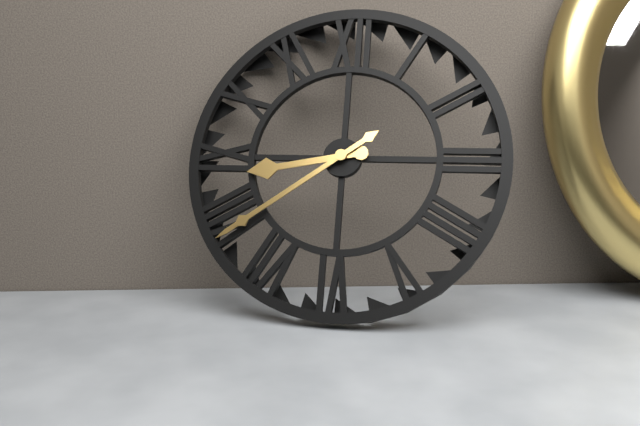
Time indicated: 8:39
